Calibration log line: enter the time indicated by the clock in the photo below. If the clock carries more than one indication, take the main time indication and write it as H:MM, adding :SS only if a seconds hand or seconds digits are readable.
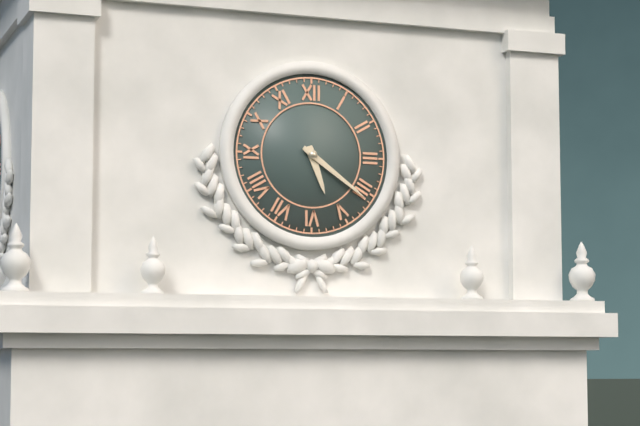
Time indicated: 5:21
